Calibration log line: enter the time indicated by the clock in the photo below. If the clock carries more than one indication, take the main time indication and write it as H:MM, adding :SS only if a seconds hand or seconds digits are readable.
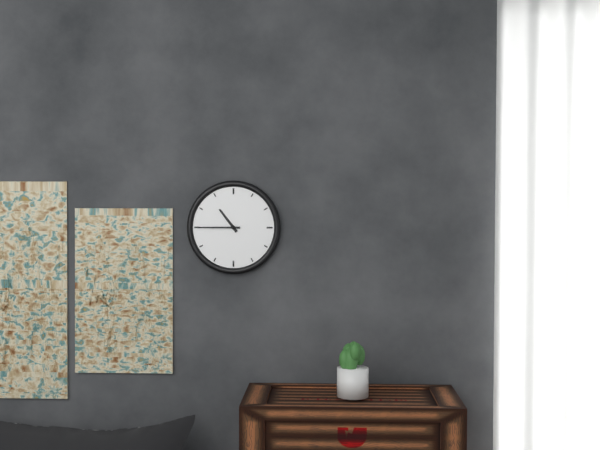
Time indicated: 10:45
